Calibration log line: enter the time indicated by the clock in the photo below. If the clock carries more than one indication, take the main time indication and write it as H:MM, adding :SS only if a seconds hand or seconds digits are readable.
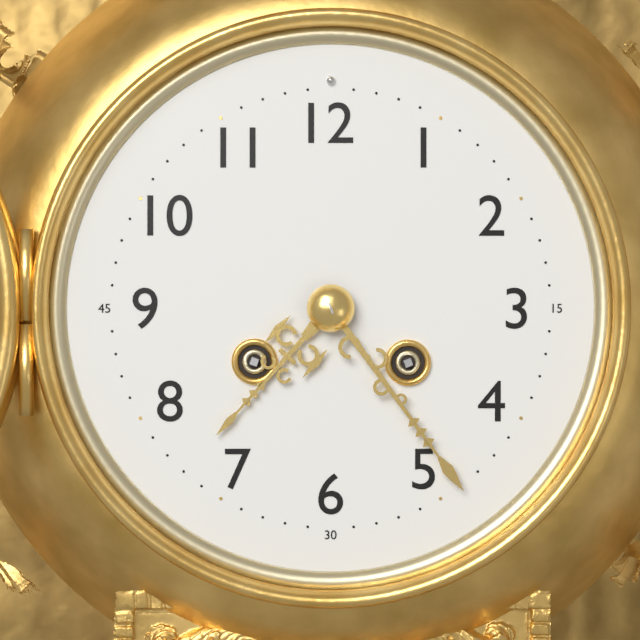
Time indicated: 7:24
